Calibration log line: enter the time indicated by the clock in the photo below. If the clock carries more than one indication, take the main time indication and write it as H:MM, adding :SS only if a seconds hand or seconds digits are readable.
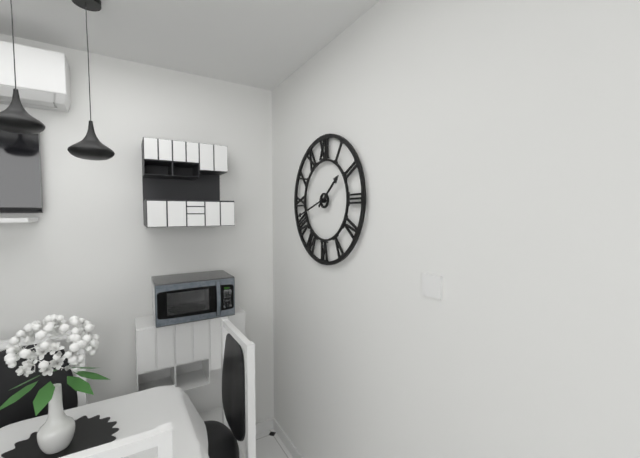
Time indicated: 1:42
